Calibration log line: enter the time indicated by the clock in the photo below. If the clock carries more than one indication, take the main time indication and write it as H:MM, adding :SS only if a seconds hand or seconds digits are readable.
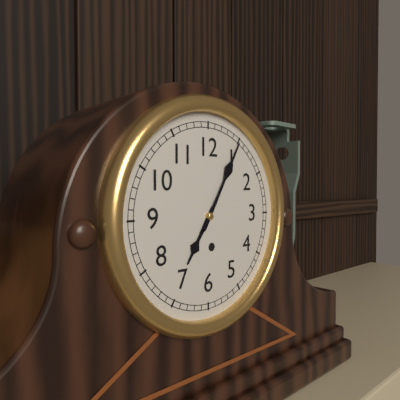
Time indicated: 7:05
